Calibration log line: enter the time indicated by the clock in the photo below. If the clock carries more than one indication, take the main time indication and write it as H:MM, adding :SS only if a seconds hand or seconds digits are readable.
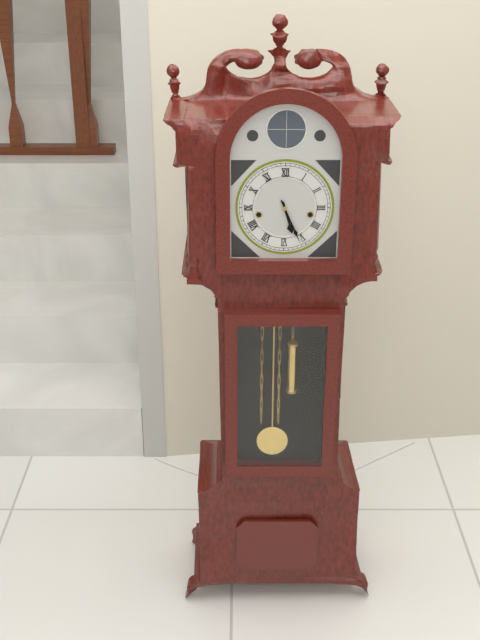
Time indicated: 5:26
